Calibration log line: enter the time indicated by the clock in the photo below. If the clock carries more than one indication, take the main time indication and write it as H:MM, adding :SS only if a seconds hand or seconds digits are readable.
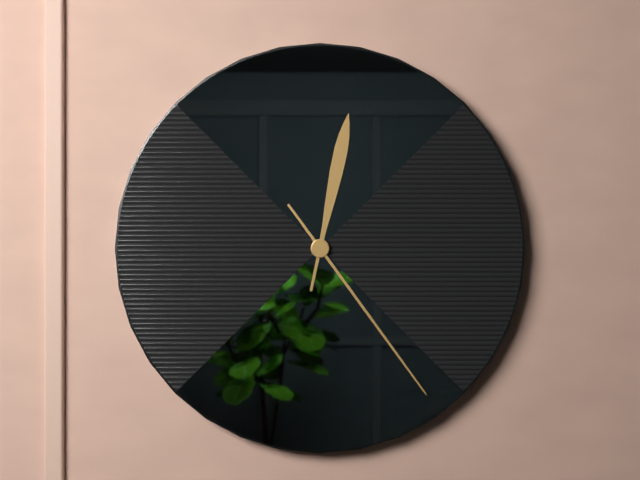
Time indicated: 12:24
